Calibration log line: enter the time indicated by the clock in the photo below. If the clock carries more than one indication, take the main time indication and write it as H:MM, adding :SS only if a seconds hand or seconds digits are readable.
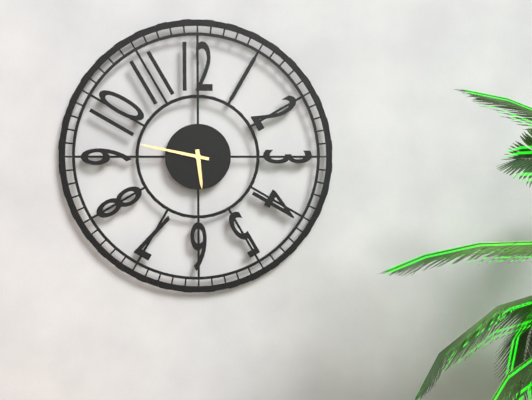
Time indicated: 5:47
